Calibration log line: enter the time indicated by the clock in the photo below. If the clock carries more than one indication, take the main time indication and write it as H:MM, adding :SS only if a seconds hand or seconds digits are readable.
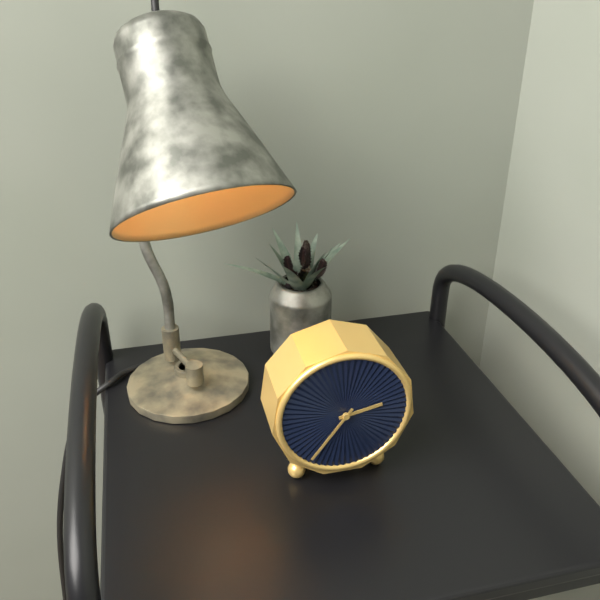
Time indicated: 2:36
